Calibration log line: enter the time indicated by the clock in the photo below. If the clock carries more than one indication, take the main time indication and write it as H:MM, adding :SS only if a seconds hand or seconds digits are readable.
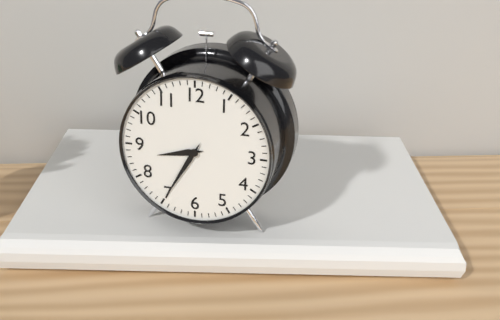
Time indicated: 8:35
